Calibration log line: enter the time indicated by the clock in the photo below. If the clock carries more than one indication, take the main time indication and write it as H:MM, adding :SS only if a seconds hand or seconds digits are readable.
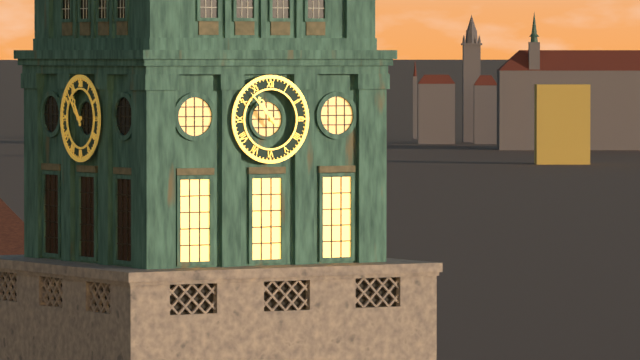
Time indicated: 10:53
